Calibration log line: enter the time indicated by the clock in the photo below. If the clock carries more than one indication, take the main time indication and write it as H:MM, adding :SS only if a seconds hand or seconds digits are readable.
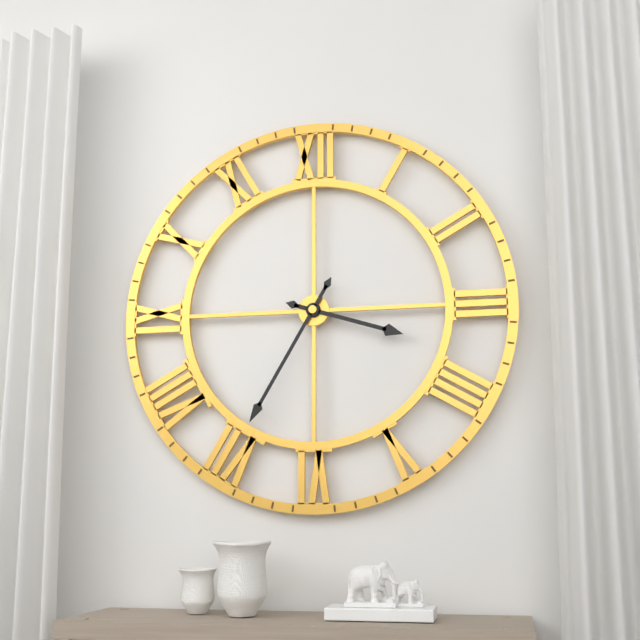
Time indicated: 3:35
